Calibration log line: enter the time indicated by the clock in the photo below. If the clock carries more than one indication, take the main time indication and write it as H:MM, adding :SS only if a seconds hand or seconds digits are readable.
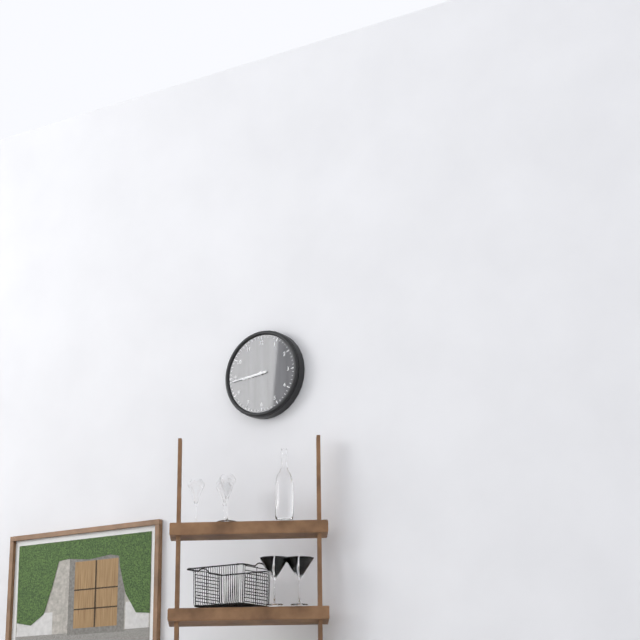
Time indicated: 8:44
